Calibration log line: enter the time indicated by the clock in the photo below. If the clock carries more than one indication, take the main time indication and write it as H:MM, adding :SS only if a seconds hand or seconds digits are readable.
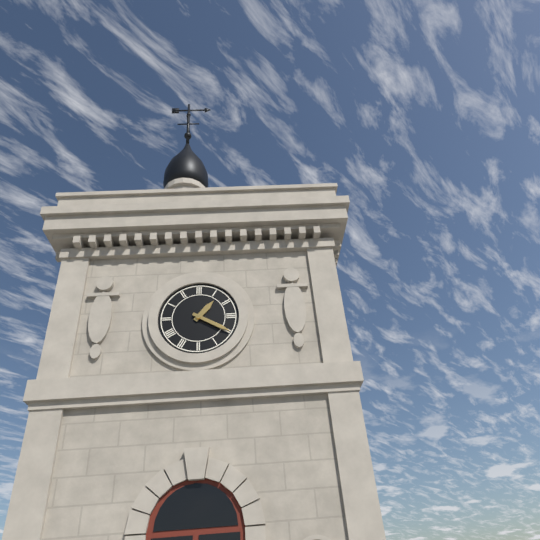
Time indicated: 1:20
